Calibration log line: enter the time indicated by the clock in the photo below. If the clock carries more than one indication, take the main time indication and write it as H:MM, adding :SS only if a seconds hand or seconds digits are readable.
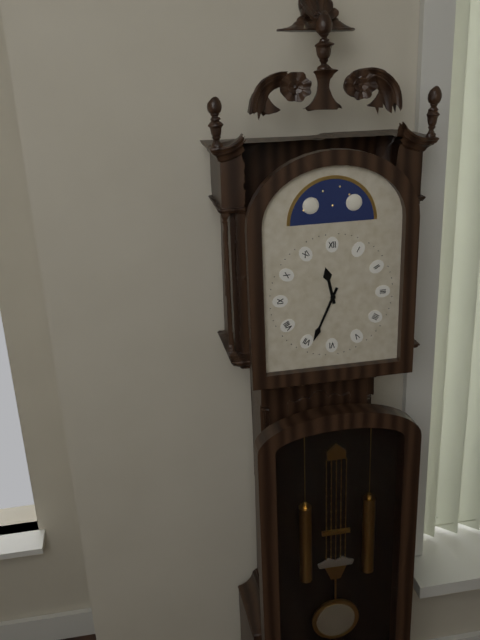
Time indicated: 11:34
